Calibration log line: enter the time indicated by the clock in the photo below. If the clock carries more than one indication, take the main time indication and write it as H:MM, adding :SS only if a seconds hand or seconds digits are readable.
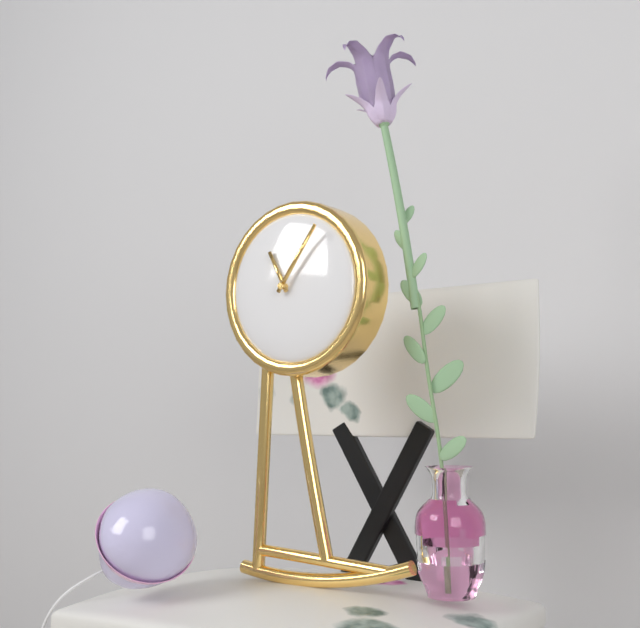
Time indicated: 11:06
